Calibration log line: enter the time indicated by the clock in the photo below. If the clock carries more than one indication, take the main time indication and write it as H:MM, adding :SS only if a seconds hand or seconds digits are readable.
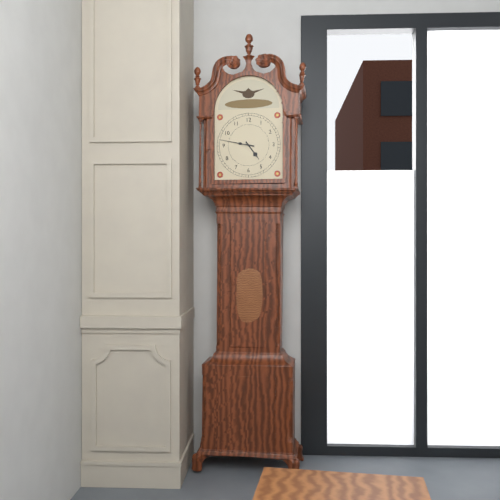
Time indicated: 4:47
